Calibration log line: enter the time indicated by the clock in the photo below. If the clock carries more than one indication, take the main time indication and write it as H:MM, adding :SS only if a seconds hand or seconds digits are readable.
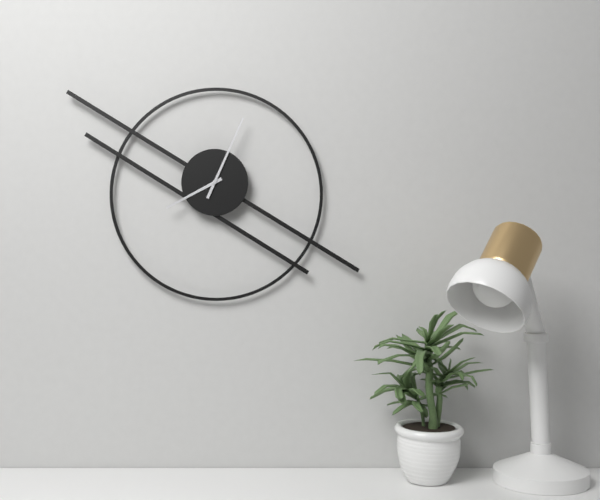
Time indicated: 8:04
